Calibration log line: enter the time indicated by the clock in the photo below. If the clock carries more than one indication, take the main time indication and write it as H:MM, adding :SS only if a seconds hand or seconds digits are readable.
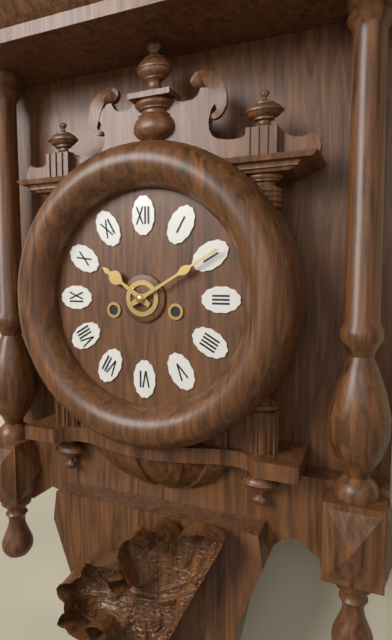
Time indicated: 10:10
